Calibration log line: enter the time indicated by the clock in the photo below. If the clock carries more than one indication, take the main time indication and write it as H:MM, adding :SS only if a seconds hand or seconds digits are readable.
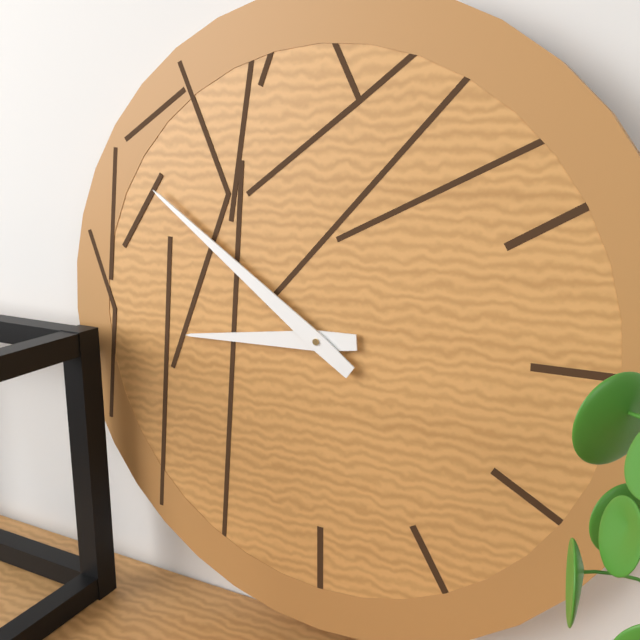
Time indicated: 8:51
